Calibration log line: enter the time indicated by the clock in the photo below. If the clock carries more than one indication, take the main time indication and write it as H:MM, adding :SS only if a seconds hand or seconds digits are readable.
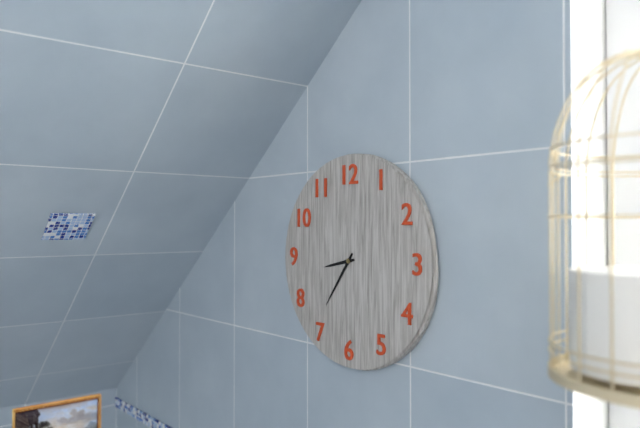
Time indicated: 8:36
